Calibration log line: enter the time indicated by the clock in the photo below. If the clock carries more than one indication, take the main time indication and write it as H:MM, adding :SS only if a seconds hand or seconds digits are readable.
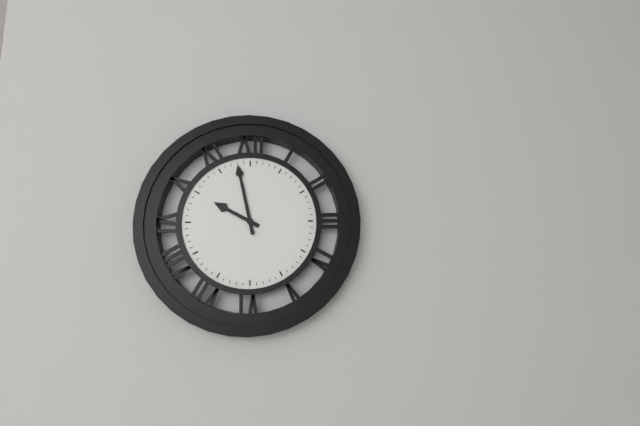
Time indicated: 9:58
